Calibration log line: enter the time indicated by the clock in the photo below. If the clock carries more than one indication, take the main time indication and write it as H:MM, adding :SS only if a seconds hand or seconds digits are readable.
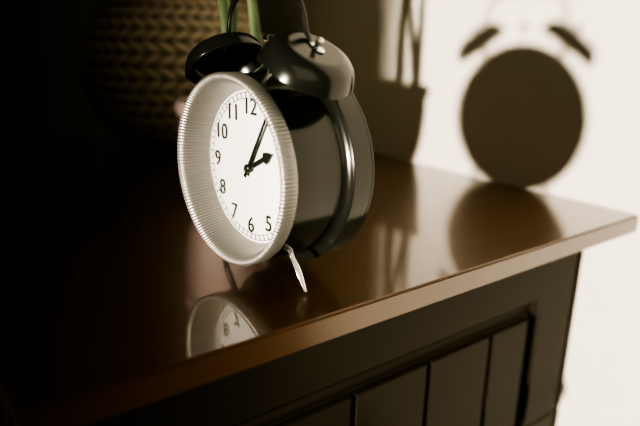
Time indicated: 2:05
